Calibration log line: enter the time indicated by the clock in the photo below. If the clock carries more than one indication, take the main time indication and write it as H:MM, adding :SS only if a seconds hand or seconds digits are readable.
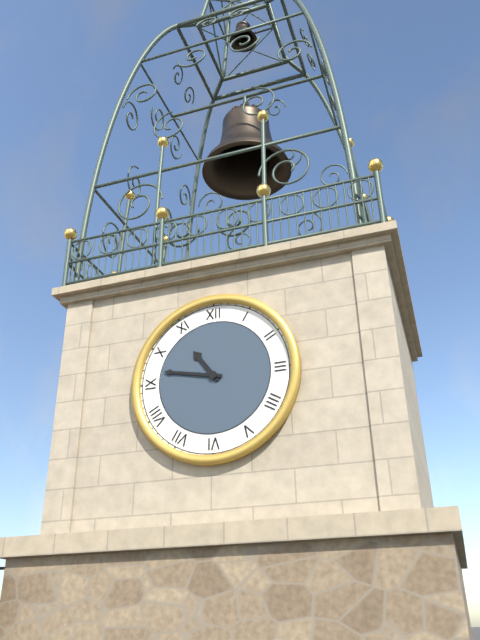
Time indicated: 10:47
